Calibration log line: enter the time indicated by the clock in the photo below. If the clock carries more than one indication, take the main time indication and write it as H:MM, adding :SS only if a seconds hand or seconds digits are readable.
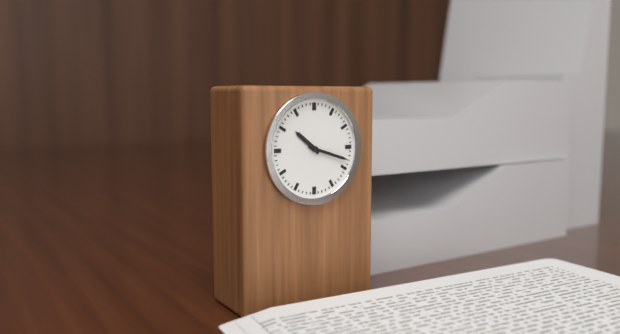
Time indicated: 10:18
